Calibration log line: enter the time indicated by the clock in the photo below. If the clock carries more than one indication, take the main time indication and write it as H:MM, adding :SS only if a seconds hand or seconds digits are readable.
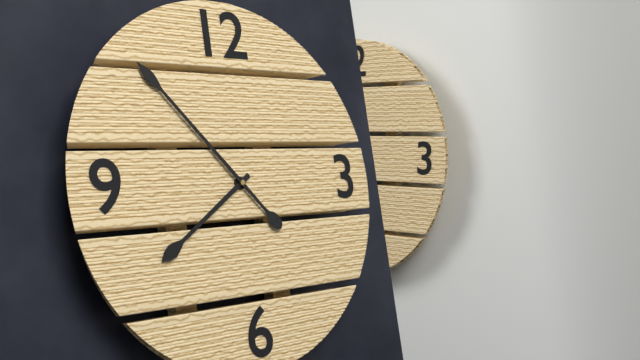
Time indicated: 7:53
